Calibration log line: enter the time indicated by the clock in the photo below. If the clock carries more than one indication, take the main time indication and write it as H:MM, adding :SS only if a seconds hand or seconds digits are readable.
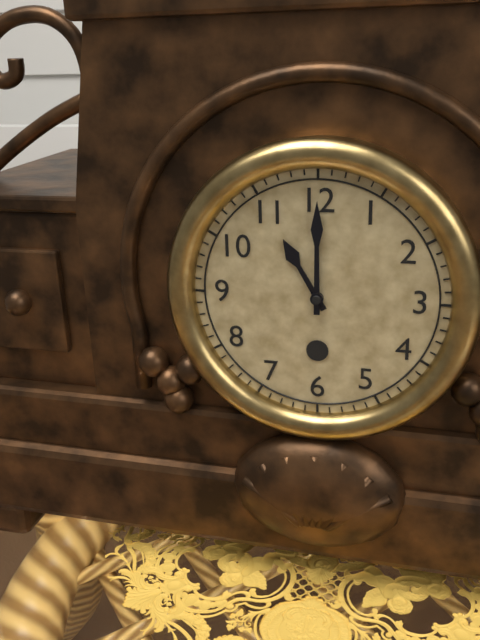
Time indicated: 11:00
